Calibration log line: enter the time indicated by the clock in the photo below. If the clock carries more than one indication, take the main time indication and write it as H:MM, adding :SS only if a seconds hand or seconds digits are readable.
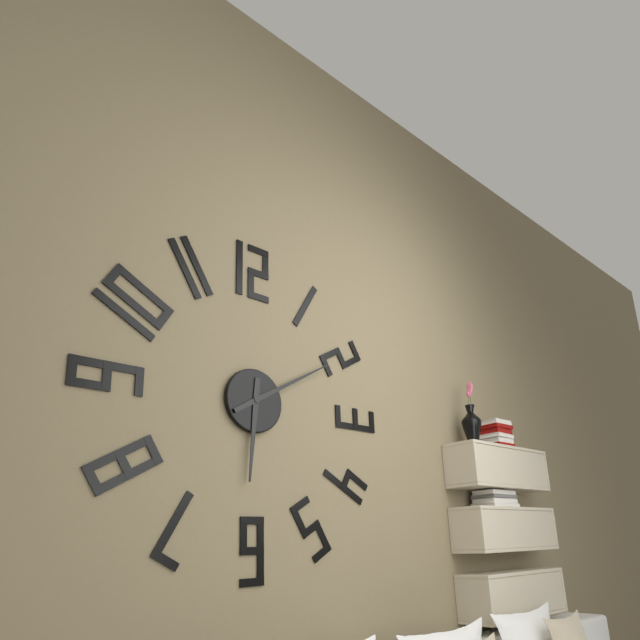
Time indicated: 6:10
